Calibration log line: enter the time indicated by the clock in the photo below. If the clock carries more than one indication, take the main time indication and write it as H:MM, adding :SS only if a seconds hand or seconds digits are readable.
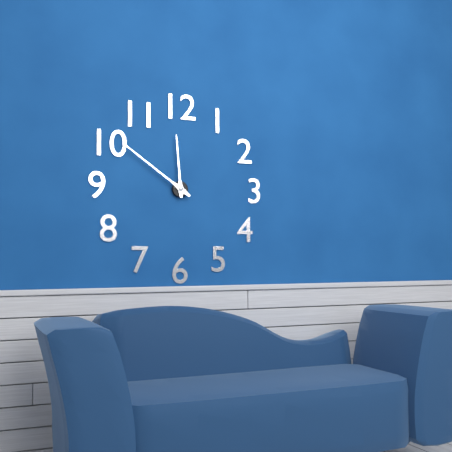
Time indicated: 11:51
